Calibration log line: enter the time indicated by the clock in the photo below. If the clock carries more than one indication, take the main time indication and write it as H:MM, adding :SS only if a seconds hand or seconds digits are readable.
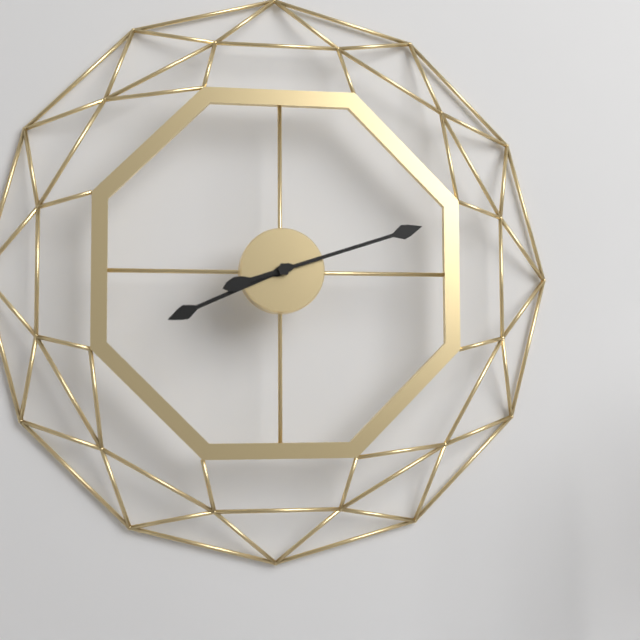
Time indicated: 8:12
